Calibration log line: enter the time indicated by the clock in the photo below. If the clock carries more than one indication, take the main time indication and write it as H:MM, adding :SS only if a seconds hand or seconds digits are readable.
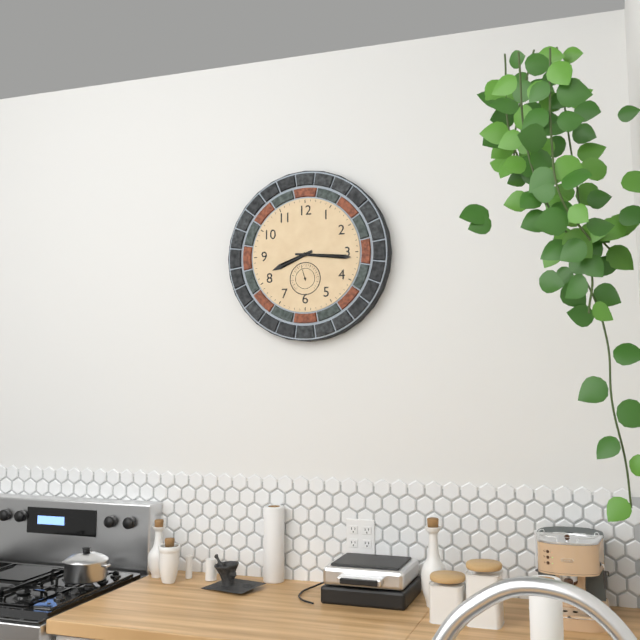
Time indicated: 8:16
